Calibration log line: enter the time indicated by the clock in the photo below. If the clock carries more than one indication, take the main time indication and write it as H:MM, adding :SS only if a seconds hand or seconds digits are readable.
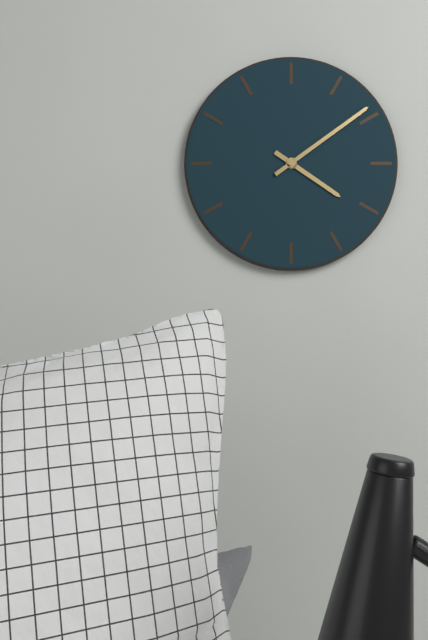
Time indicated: 4:09
